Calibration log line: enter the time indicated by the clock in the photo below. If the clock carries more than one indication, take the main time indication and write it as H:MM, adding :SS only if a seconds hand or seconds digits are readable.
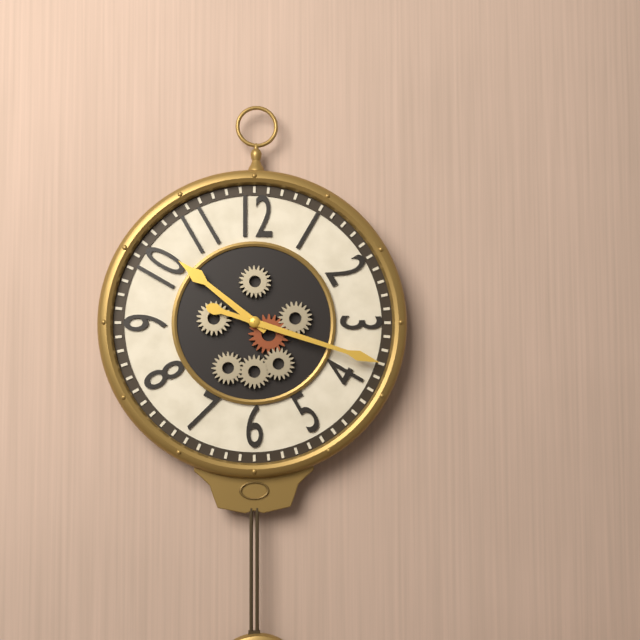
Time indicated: 10:18
